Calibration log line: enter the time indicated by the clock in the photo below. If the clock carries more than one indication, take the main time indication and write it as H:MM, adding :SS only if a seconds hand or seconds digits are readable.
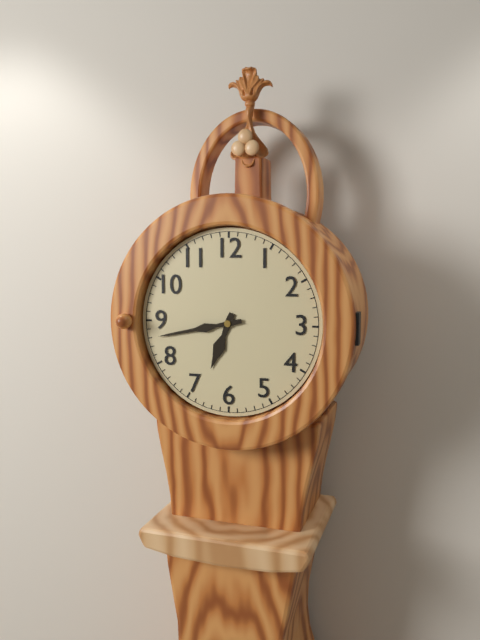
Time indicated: 6:43
